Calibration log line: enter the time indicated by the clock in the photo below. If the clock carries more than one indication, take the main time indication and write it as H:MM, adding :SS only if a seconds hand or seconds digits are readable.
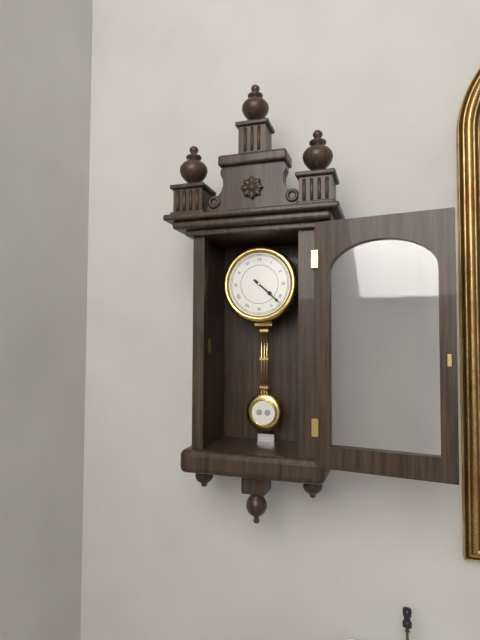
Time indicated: 4:22
